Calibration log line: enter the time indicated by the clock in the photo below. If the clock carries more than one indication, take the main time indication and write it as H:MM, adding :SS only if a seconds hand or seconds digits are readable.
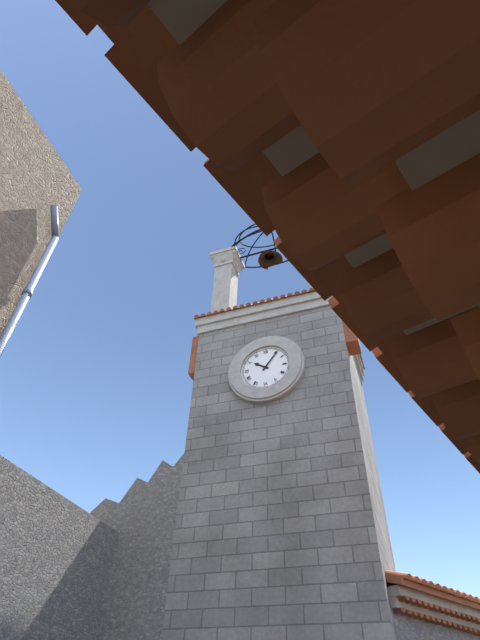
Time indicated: 10:06
